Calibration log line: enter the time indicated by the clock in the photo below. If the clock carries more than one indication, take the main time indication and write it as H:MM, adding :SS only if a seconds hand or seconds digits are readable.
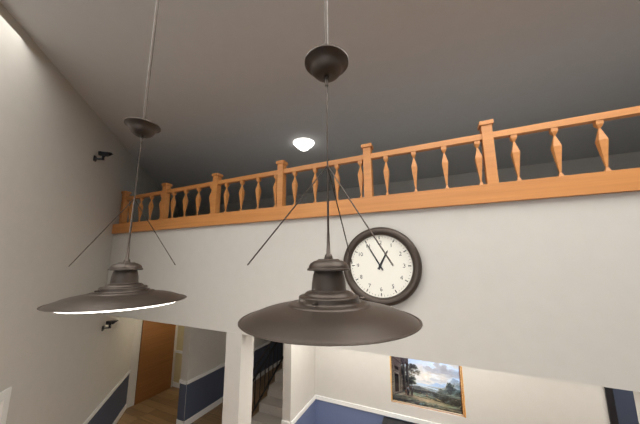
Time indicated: 12:55
